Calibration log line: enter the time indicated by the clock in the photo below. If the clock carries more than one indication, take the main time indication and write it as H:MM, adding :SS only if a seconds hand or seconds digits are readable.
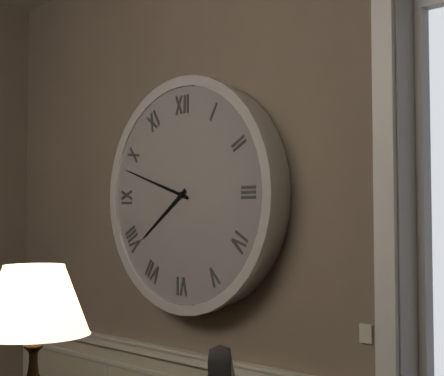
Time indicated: 7:48
